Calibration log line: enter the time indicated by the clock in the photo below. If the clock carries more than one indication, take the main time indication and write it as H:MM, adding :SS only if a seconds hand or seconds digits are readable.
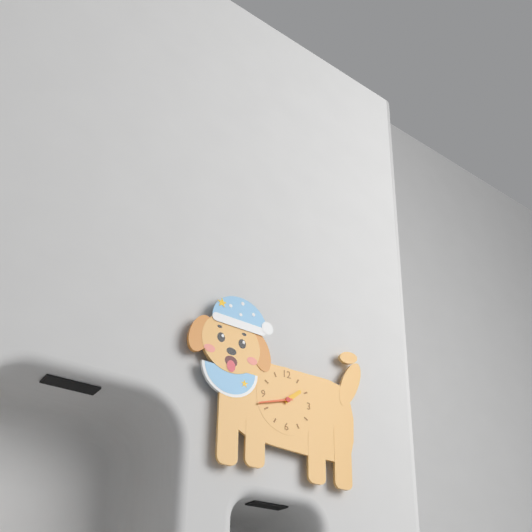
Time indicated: 1:42
